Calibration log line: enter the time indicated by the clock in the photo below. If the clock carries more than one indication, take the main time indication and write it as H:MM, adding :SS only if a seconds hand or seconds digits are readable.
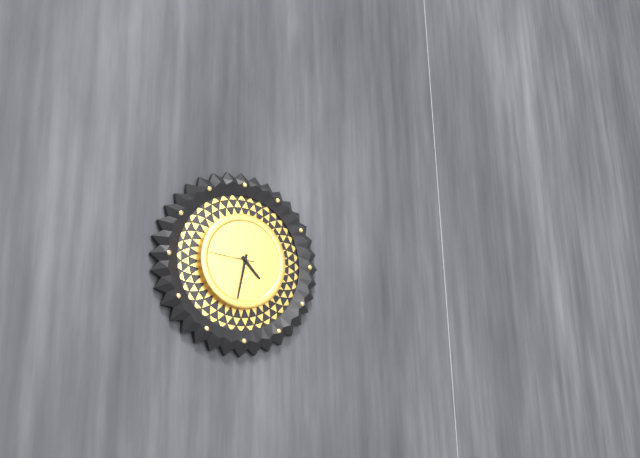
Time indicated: 4:32
